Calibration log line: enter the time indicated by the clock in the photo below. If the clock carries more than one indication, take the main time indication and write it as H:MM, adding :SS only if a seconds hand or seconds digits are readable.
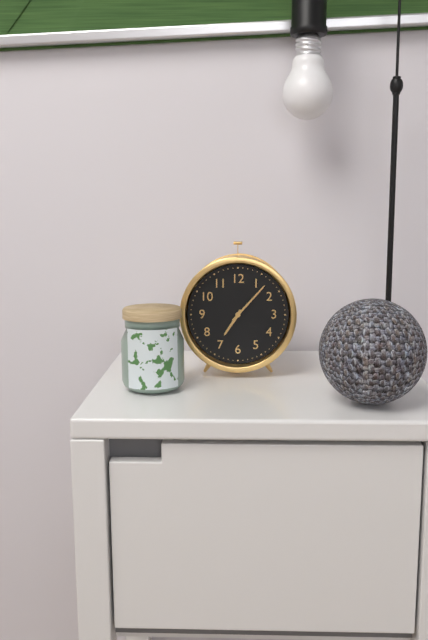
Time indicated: 7:07
